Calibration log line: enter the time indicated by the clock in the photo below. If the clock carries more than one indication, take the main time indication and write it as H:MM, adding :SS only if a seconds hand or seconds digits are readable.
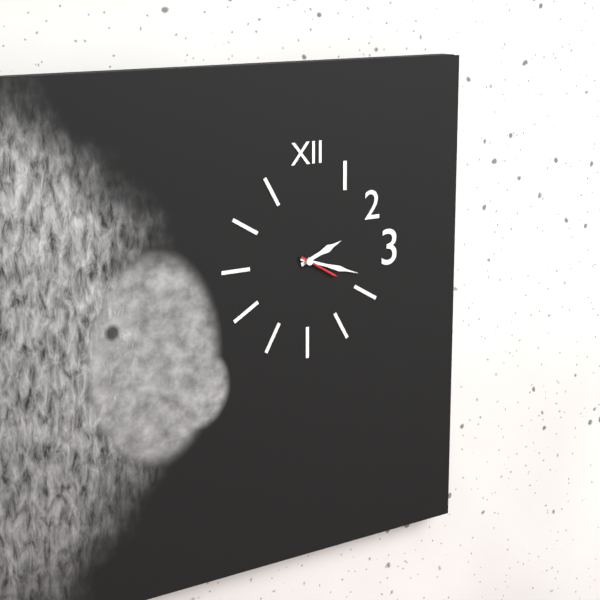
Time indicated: 2:18
